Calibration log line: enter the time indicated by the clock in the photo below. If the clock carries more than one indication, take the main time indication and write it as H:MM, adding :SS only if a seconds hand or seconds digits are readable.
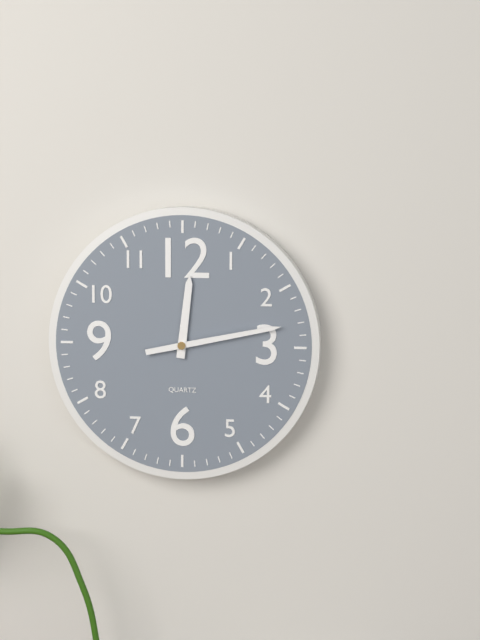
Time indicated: 12:13
